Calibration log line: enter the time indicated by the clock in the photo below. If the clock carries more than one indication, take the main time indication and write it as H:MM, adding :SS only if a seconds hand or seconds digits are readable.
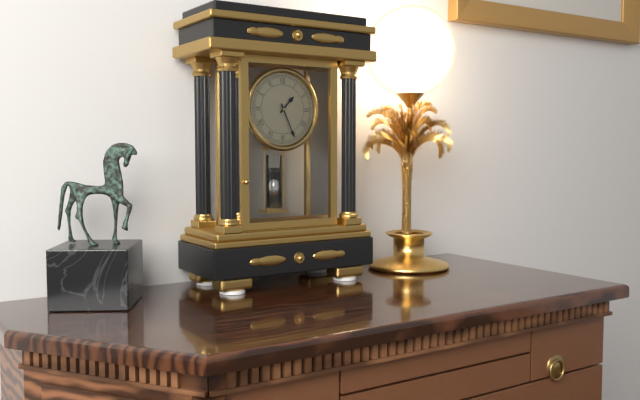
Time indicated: 1:26
